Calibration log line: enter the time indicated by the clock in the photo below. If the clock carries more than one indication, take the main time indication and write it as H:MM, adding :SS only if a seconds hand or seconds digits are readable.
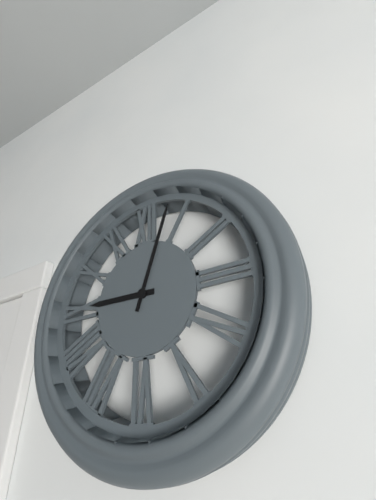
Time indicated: 9:03
